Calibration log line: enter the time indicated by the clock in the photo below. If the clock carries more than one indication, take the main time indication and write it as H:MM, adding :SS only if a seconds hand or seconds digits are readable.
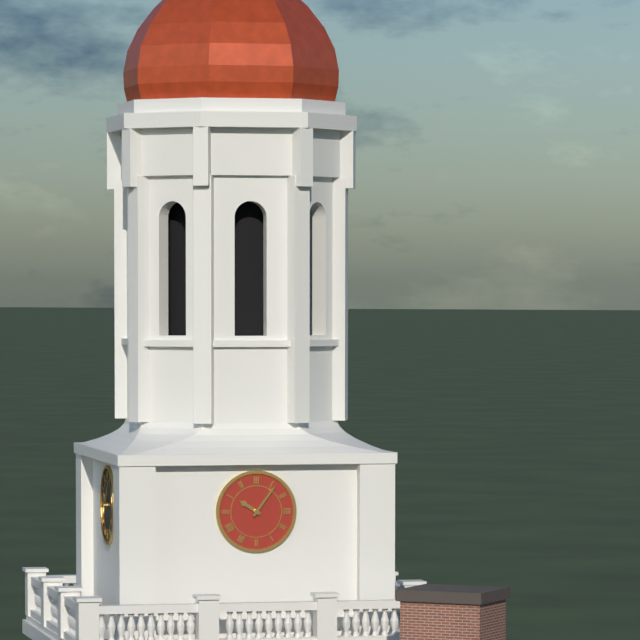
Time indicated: 10:06
